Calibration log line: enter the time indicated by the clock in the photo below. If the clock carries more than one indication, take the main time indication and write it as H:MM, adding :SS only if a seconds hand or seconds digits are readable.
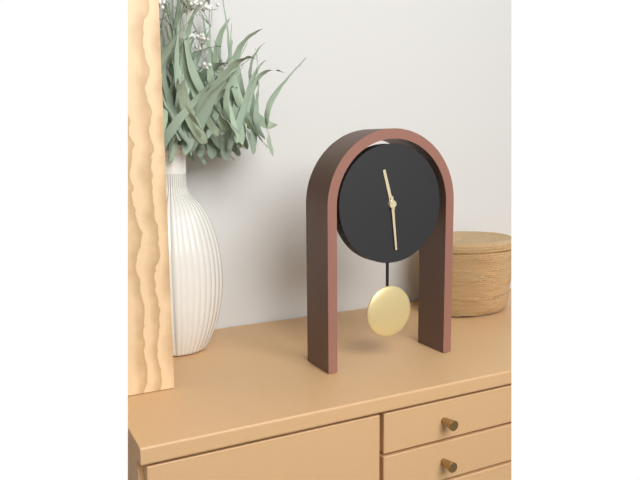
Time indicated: 11:29
